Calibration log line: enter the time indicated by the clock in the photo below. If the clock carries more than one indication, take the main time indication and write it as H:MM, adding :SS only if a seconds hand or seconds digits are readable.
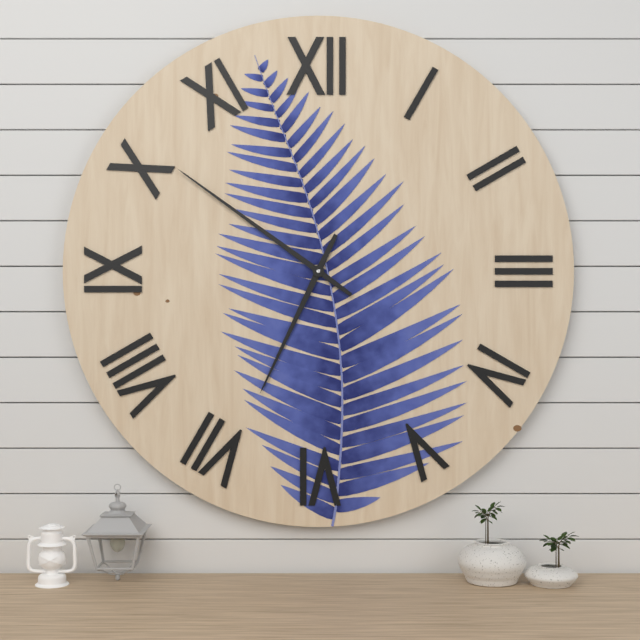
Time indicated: 6:51
